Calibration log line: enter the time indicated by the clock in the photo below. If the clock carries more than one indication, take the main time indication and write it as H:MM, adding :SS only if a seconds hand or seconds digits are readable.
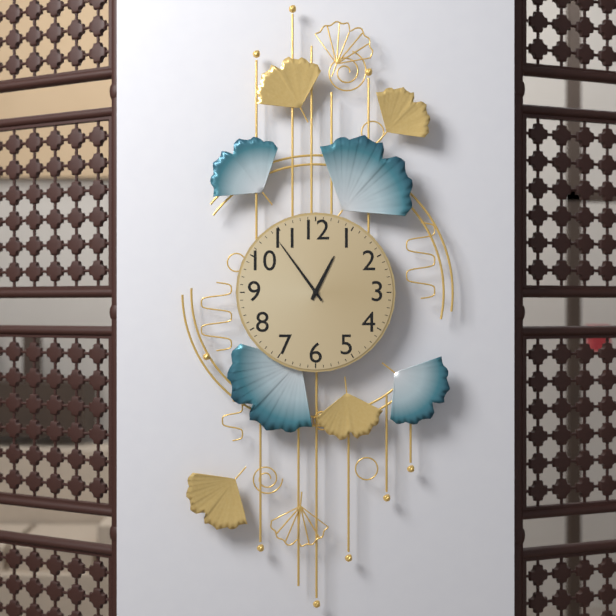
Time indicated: 12:54
